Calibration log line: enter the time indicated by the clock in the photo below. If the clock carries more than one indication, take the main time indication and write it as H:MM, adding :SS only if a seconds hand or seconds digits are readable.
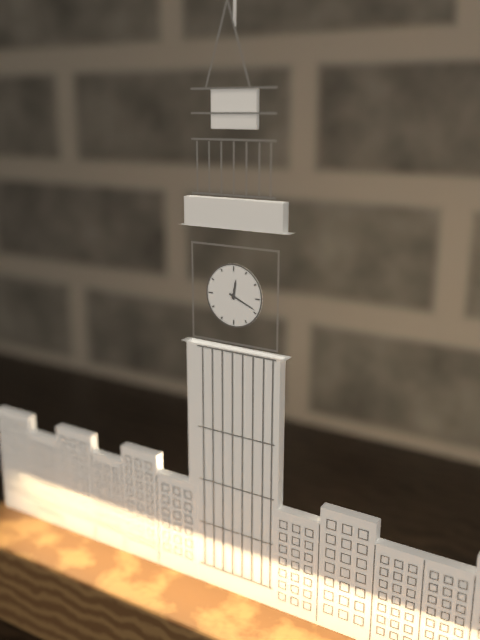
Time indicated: 12:19
